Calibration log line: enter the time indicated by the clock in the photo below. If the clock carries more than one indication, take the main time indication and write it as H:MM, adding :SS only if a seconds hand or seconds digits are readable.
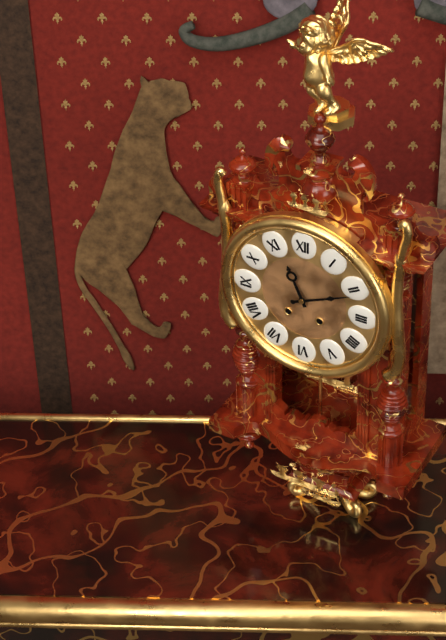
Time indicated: 11:11
